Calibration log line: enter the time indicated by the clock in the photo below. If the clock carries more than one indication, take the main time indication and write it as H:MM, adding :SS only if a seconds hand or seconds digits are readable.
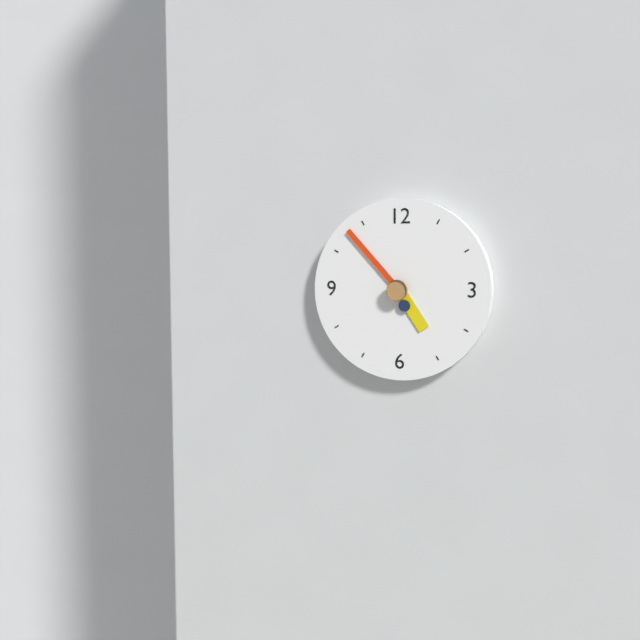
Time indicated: 4:53
